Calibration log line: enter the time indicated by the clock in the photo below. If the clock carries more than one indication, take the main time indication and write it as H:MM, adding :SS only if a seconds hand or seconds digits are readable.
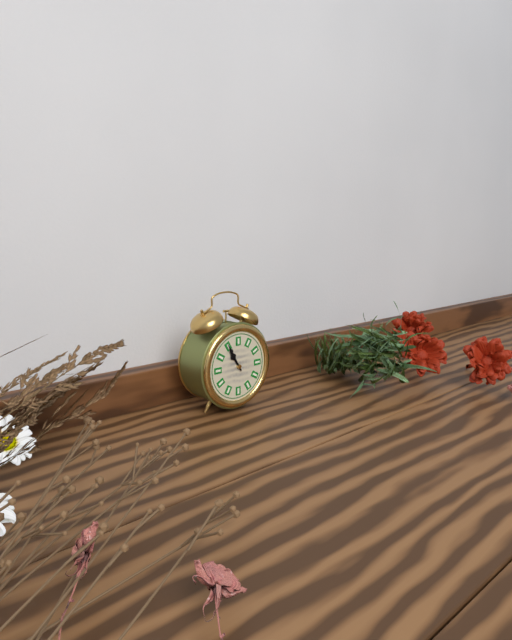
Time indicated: 10:55
